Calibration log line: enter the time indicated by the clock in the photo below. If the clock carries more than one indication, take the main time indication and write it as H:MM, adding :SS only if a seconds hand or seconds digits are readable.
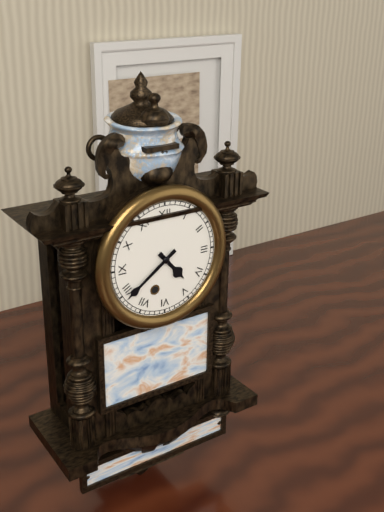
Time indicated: 4:39
